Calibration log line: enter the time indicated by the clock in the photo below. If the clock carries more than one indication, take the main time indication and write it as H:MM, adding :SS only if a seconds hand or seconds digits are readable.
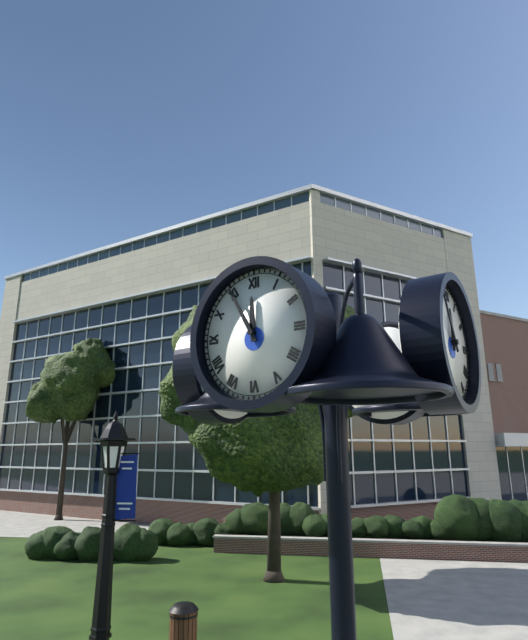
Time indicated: 11:55
